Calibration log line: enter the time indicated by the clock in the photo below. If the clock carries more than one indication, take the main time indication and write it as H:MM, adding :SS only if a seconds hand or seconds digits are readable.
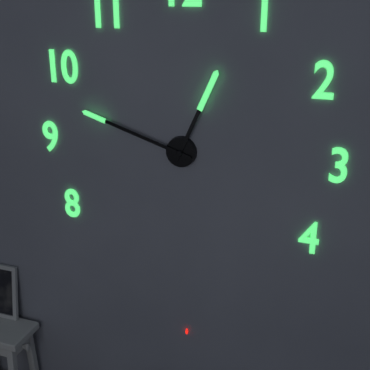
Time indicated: 12:48
